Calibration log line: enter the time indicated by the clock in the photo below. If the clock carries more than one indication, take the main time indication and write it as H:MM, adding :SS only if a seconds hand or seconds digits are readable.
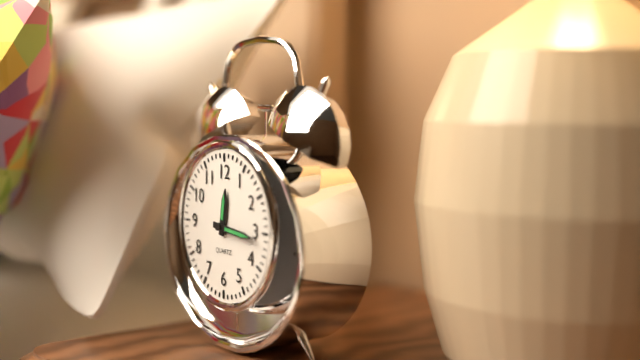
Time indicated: 12:16
